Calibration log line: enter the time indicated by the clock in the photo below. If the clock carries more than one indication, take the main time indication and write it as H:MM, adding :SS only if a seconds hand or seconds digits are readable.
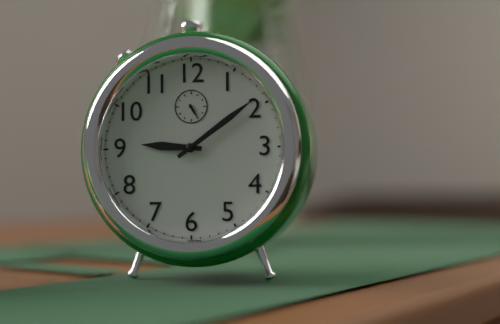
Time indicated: 9:09
